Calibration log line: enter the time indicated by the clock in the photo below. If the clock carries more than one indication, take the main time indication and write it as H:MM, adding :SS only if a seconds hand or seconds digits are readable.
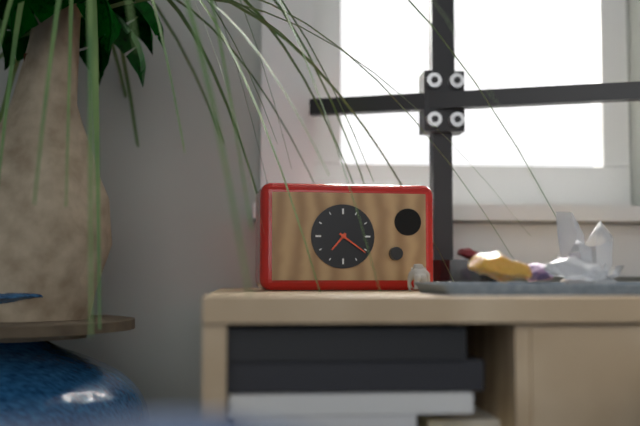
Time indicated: 7:21
